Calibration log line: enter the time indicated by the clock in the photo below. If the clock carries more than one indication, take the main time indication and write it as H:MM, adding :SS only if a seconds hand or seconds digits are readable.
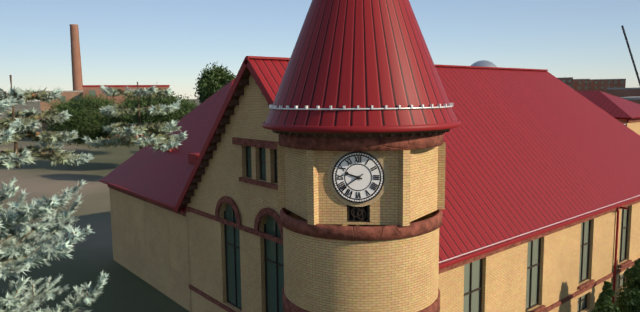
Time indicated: 9:39
